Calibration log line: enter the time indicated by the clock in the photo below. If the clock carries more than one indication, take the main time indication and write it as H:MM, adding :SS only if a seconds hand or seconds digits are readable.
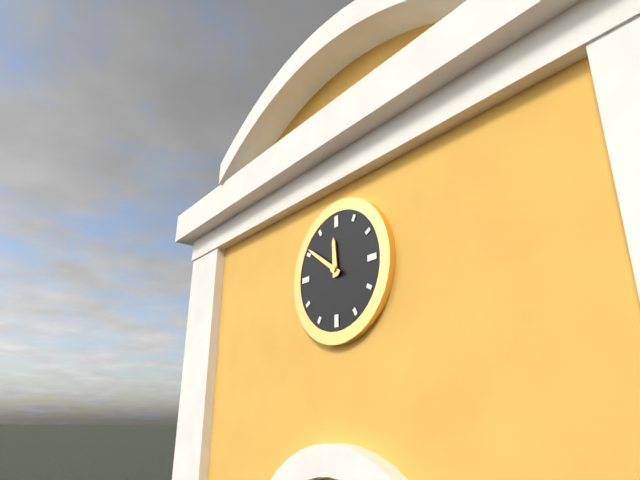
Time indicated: 11:51
